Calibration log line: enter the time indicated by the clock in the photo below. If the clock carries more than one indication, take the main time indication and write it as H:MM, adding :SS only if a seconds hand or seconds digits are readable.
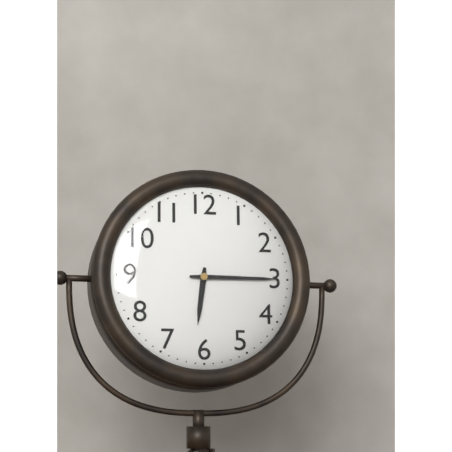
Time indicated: 6:15
